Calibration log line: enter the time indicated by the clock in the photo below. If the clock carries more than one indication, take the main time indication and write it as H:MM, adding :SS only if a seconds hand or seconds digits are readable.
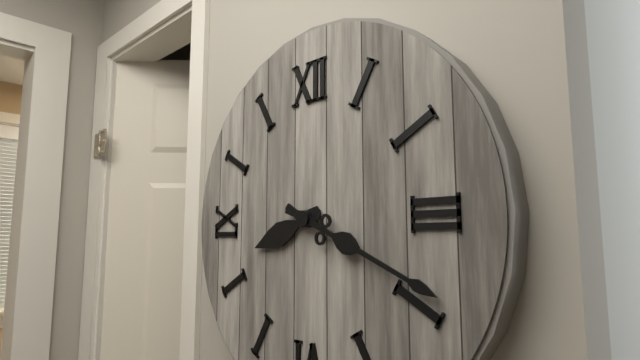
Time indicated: 8:19
